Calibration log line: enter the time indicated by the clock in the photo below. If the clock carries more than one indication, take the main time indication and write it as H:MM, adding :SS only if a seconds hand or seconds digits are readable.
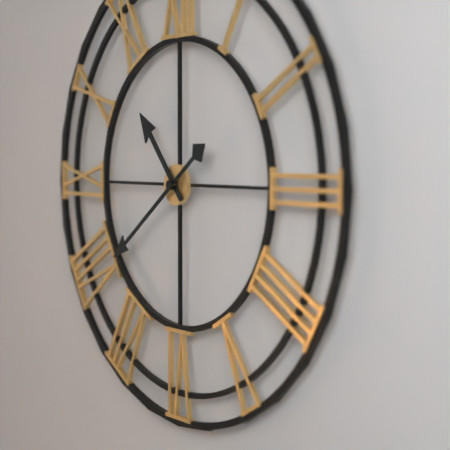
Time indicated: 10:39
